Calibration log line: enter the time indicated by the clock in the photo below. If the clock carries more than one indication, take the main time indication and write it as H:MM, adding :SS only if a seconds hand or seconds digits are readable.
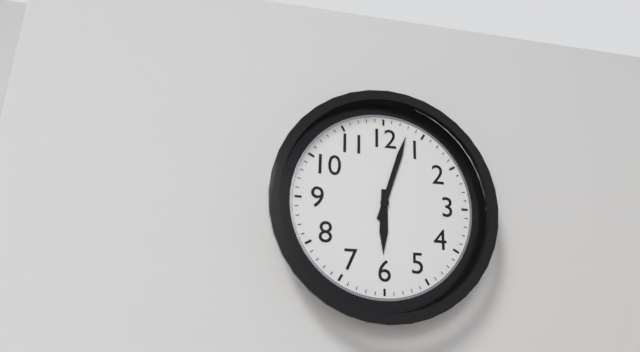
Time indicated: 6:03
